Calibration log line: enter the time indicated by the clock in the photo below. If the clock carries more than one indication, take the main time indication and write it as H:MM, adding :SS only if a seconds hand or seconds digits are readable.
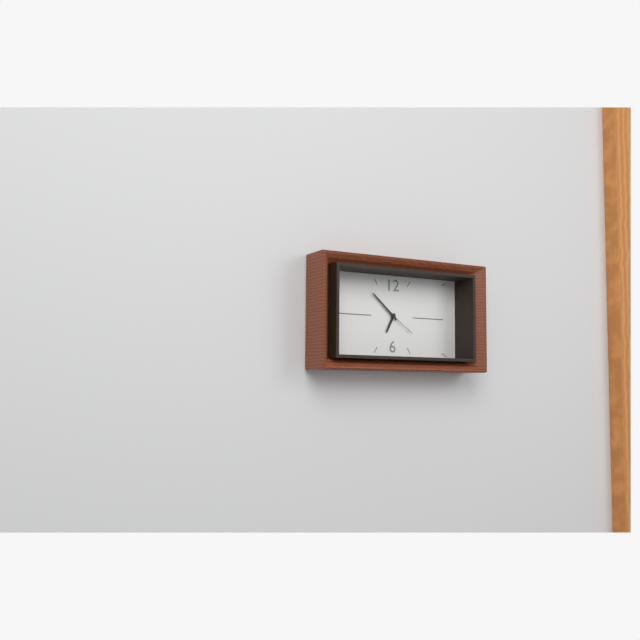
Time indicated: 6:52
